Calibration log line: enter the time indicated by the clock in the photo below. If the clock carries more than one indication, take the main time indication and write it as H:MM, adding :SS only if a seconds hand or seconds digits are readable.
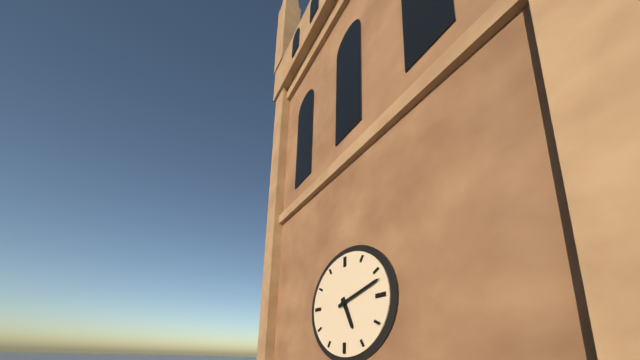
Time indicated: 5:12
